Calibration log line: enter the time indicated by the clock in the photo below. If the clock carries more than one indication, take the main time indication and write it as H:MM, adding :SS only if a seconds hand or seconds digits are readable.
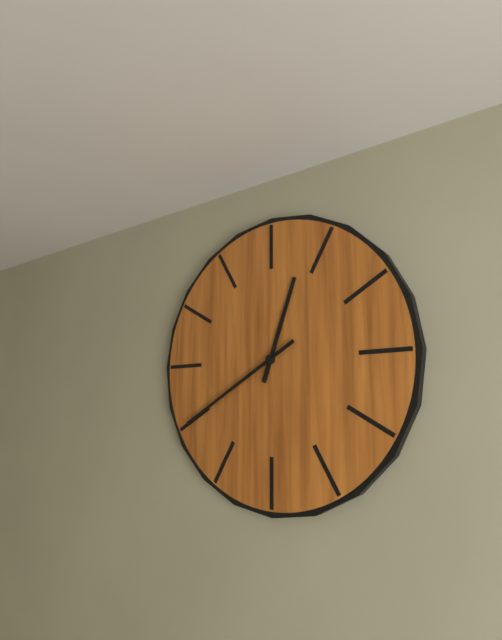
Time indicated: 12:40
